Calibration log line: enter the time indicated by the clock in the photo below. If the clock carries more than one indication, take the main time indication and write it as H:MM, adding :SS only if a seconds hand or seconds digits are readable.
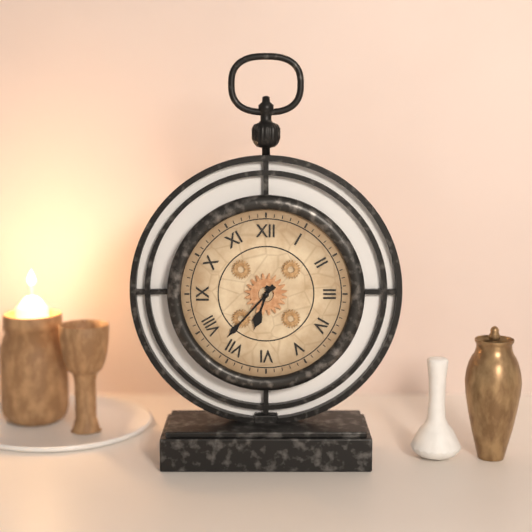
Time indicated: 6:37
